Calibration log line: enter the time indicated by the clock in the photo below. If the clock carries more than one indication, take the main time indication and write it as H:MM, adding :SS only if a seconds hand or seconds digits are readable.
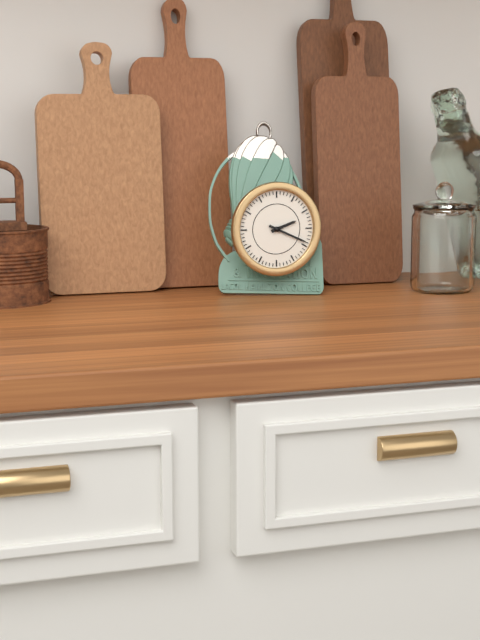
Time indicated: 2:19
